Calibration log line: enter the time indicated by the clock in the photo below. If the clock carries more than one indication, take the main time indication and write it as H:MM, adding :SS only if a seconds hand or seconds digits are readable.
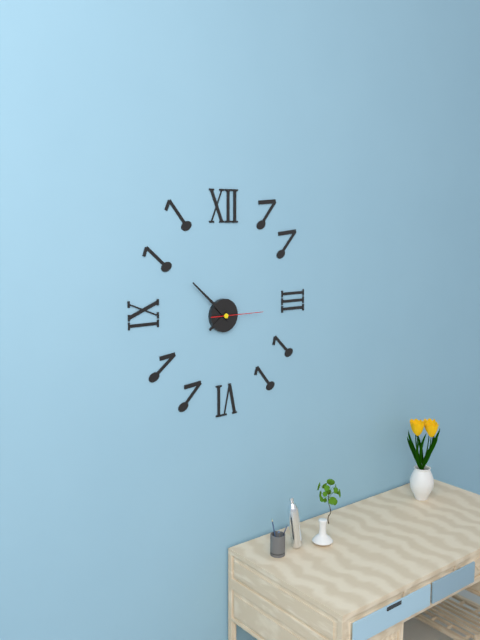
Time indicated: 7:52
